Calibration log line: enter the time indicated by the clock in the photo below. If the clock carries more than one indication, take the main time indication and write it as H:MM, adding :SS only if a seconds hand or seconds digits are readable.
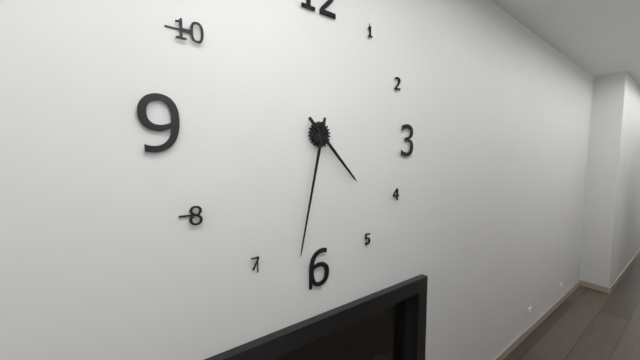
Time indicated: 4:32
